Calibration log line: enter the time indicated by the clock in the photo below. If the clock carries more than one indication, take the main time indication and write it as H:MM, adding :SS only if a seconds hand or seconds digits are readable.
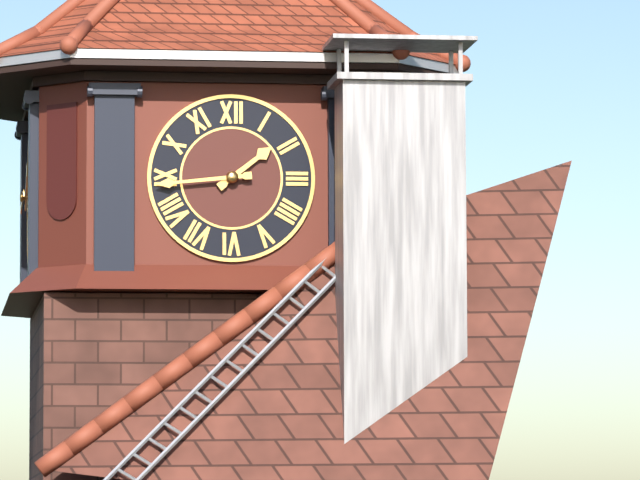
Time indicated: 1:44
